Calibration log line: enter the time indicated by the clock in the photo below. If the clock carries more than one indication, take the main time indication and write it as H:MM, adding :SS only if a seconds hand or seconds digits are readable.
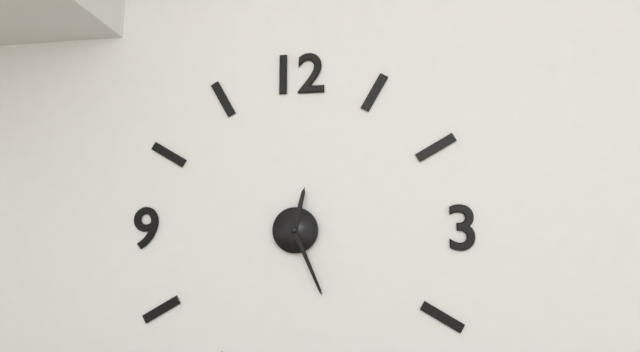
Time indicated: 12:26
